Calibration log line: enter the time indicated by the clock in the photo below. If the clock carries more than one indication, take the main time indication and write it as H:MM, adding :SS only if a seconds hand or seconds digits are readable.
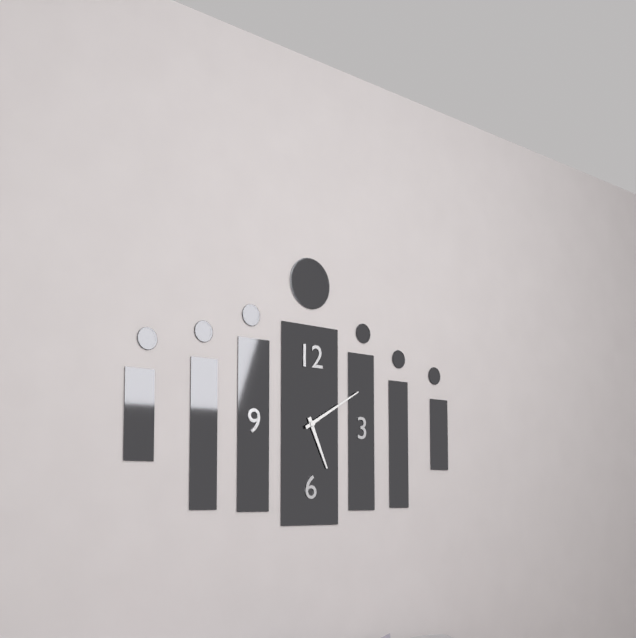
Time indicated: 5:10
